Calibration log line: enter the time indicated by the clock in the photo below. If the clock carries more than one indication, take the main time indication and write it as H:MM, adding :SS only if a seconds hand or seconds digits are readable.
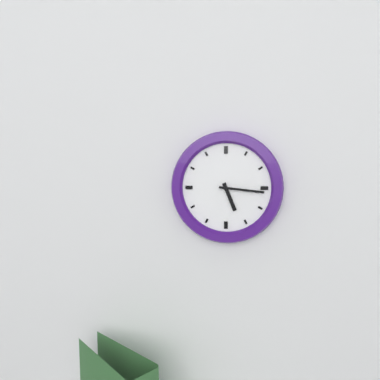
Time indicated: 5:16
